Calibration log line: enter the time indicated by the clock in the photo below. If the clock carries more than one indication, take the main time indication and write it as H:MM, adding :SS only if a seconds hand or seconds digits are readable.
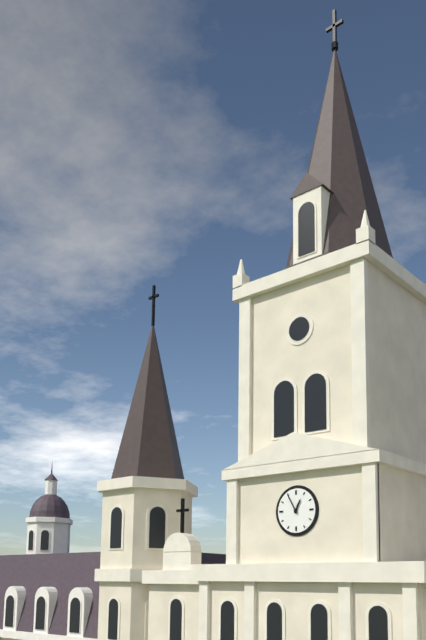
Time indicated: 12:55
